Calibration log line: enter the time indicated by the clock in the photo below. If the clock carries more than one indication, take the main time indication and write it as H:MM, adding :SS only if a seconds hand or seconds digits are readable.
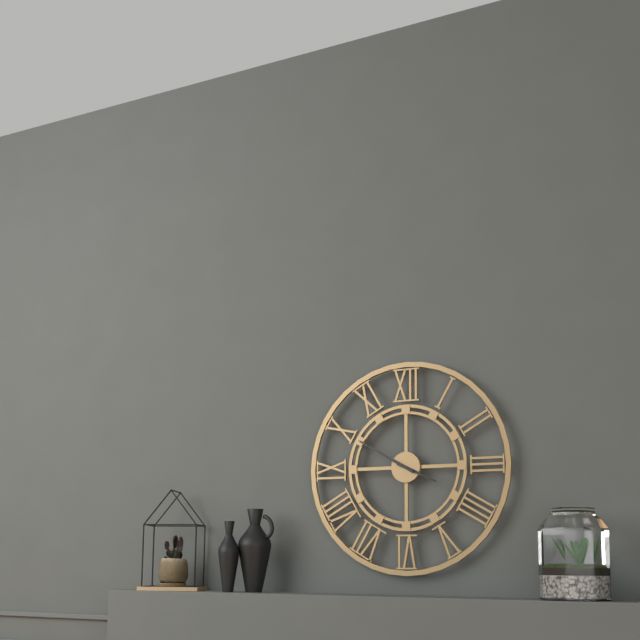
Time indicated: 3:50
